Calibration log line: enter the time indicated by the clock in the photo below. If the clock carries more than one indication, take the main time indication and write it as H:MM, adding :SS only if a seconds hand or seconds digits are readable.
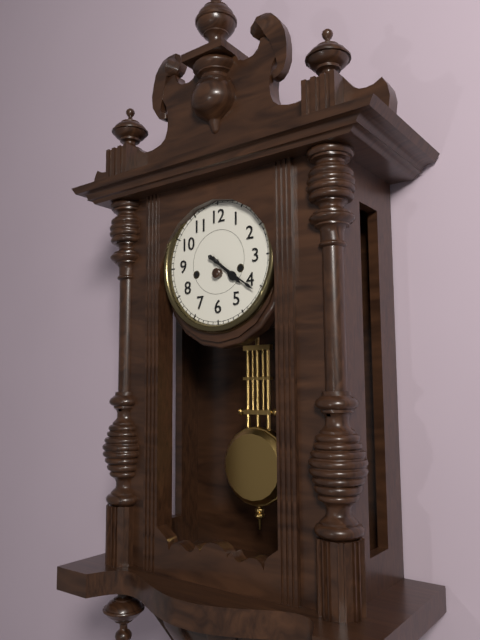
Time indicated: 4:21
